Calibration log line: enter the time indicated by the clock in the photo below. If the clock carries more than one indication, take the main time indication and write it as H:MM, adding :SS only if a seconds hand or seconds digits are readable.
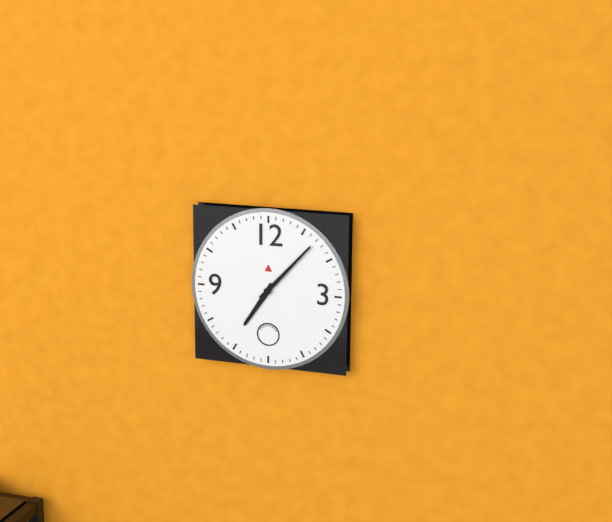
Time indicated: 7:07
